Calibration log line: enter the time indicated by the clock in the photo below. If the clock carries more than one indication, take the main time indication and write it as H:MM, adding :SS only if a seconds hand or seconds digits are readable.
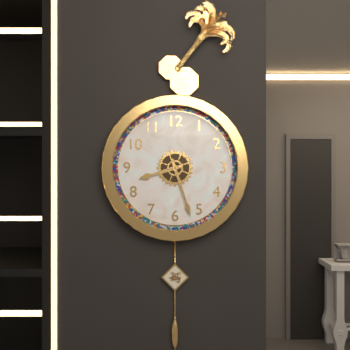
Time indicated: 8:27
